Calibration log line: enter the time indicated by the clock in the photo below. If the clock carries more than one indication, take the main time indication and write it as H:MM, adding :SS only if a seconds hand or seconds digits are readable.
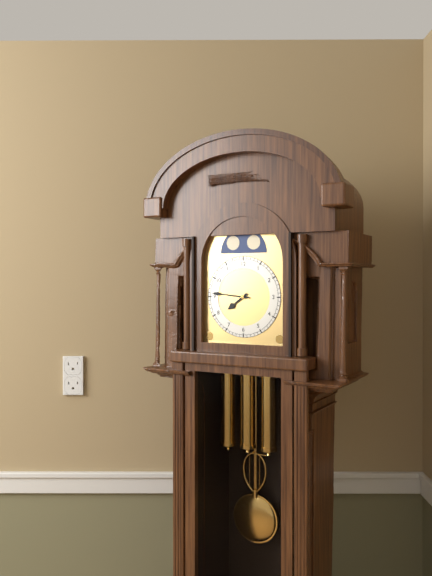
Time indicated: 7:46
